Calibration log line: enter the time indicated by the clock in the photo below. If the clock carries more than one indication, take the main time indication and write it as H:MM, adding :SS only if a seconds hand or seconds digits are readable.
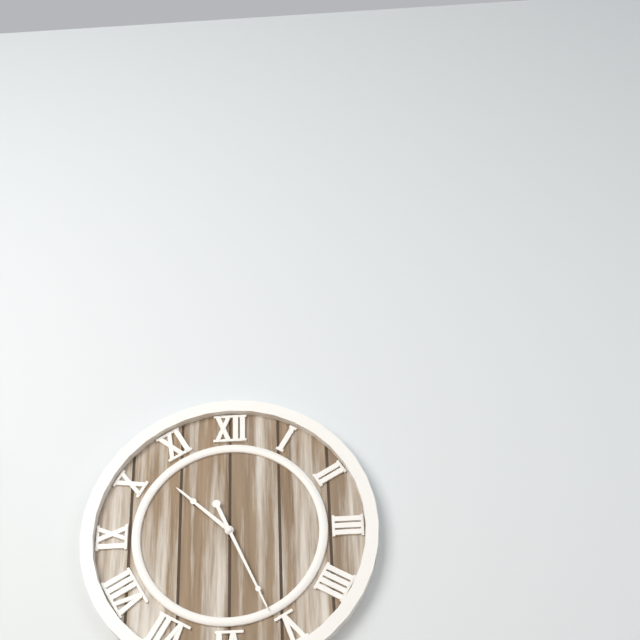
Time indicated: 10:26
